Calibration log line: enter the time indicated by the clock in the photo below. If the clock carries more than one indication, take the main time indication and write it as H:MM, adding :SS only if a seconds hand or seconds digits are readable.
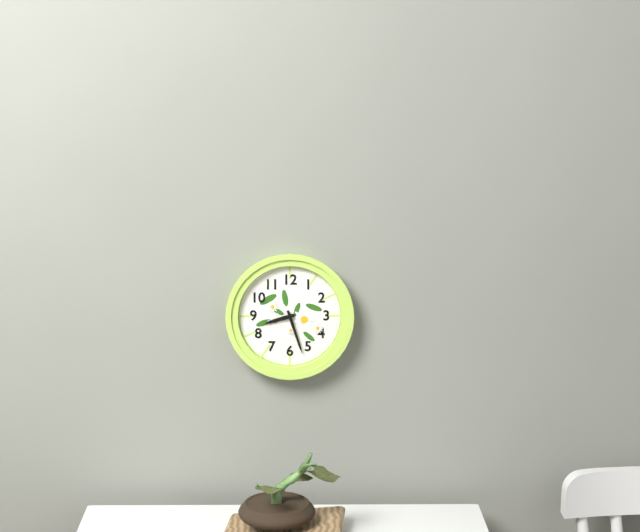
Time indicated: 8:27
